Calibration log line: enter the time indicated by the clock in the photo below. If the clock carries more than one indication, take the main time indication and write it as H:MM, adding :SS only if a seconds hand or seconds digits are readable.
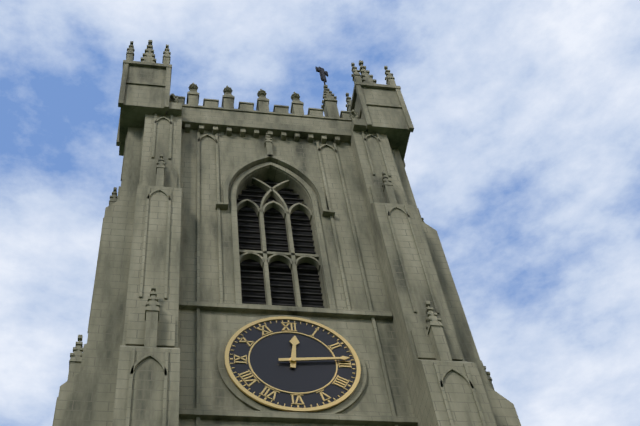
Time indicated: 12:14
